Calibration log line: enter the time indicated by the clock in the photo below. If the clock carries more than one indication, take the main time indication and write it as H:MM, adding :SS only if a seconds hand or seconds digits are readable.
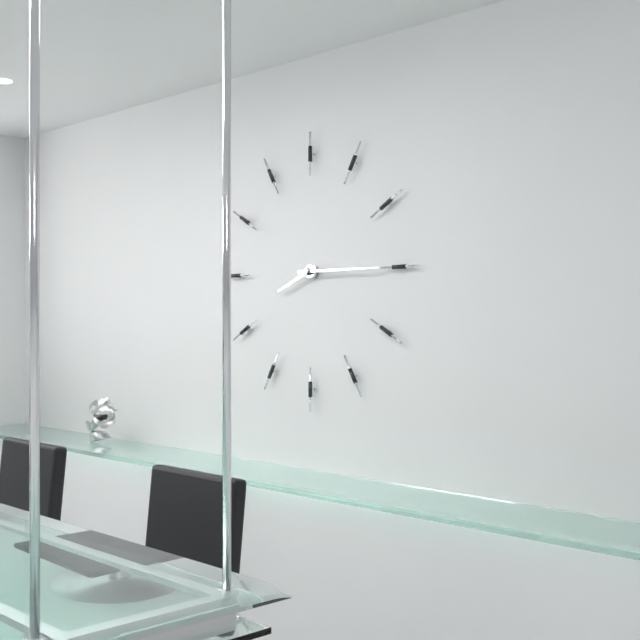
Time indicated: 8:15
